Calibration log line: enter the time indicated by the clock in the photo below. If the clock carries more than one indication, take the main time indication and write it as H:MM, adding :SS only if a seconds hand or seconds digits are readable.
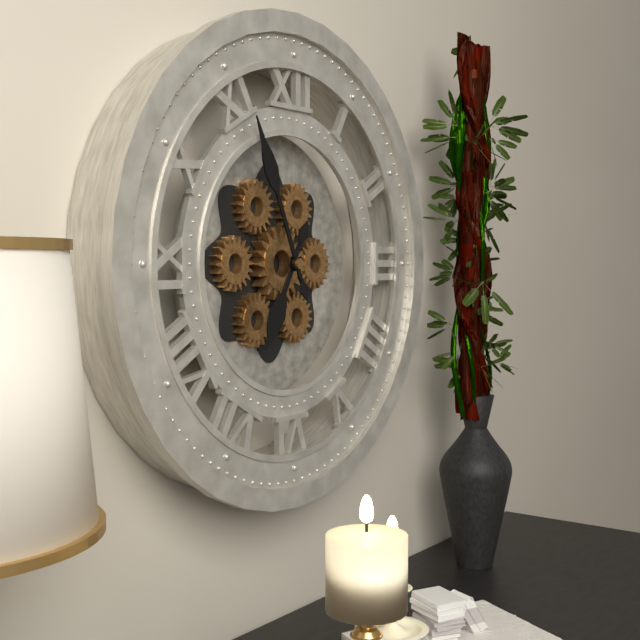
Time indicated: 6:56
